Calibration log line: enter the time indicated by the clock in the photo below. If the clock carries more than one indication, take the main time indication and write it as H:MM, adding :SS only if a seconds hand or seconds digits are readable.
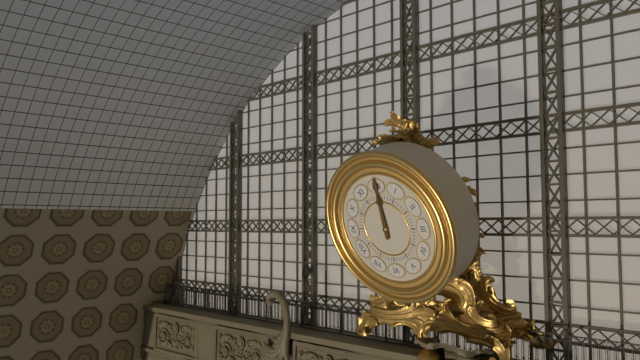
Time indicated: 12:00
